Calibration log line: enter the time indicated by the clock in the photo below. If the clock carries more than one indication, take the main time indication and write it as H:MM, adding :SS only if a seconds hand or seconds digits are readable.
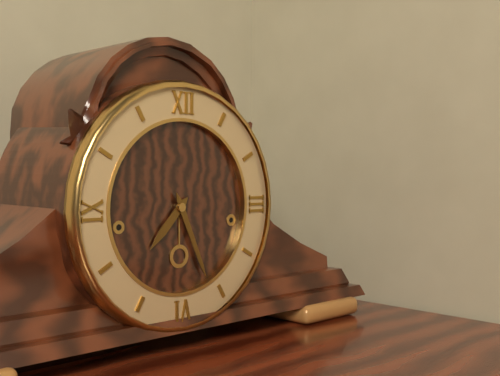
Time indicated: 7:26
